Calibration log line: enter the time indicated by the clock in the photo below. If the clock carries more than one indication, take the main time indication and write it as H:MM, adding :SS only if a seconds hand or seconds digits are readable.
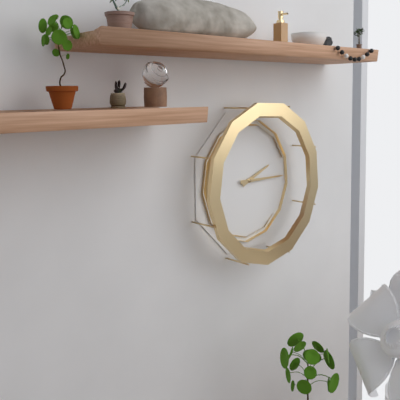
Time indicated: 2:15
